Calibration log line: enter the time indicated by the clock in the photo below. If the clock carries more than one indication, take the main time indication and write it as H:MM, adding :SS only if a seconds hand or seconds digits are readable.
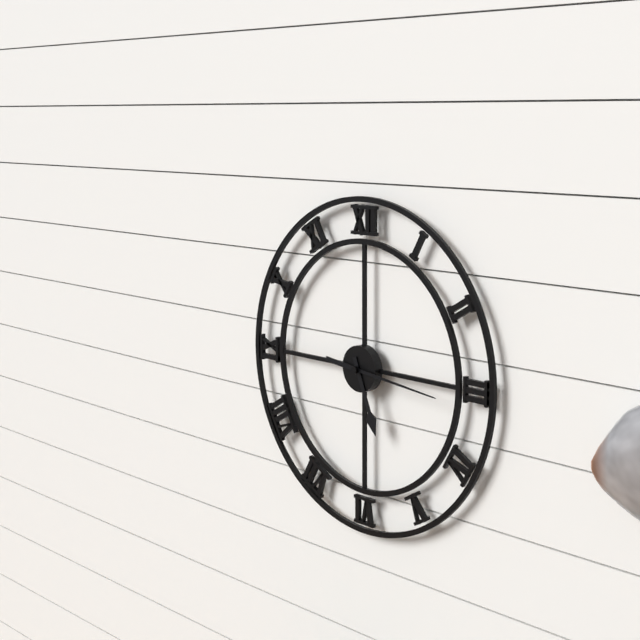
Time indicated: 5:16
